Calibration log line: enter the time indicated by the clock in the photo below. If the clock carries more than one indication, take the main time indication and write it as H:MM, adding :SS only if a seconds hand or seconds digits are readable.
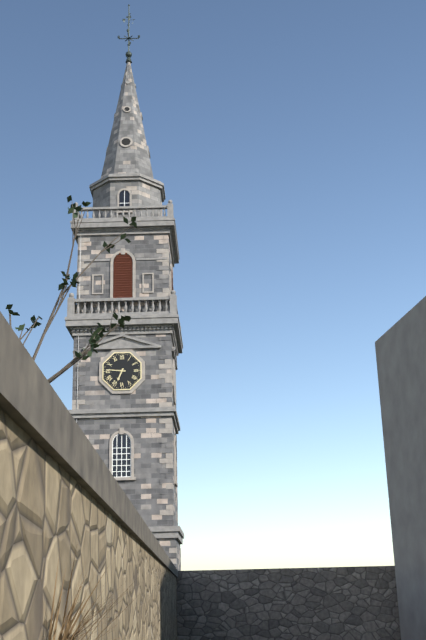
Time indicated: 6:46
